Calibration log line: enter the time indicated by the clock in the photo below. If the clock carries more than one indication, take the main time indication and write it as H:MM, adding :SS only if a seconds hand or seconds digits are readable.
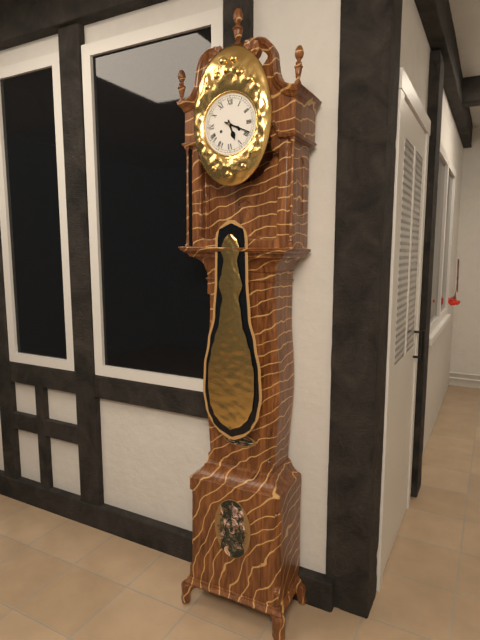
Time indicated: 5:19
